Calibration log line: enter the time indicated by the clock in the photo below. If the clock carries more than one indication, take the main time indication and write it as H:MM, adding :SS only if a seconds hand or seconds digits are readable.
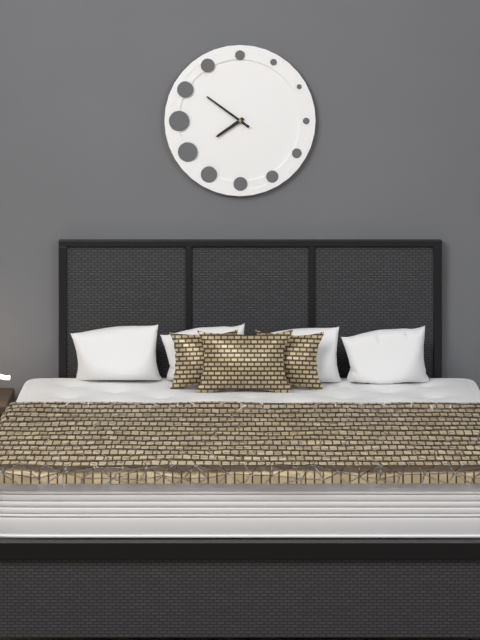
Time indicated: 7:51
